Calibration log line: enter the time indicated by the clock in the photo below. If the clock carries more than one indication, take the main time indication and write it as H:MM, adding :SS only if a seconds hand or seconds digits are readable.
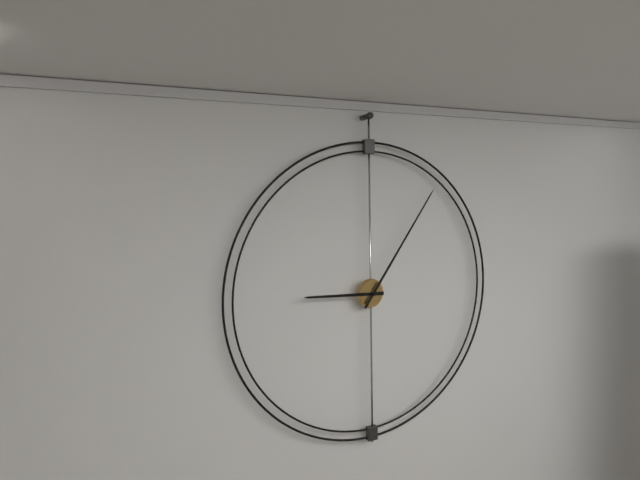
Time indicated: 9:06
